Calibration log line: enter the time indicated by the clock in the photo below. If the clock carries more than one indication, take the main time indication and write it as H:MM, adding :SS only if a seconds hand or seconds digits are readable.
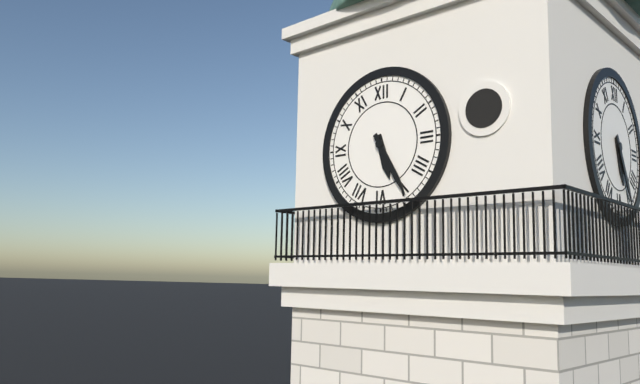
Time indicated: 5:25
